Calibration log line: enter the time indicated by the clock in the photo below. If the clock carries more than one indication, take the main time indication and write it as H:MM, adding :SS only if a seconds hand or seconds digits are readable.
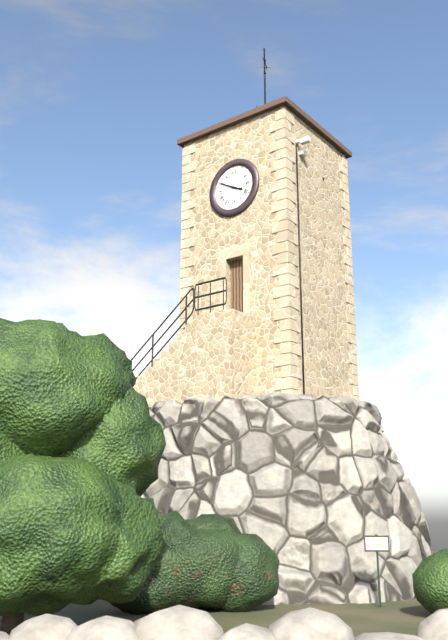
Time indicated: 3:50
